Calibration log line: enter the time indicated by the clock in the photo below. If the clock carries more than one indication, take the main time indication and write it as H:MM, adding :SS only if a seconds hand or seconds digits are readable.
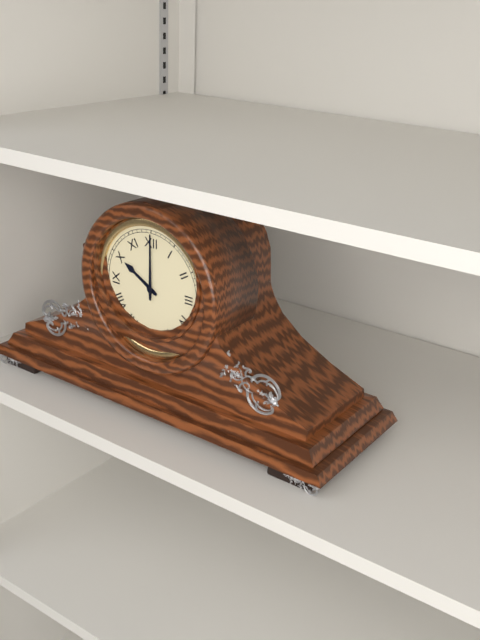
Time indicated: 10:00
